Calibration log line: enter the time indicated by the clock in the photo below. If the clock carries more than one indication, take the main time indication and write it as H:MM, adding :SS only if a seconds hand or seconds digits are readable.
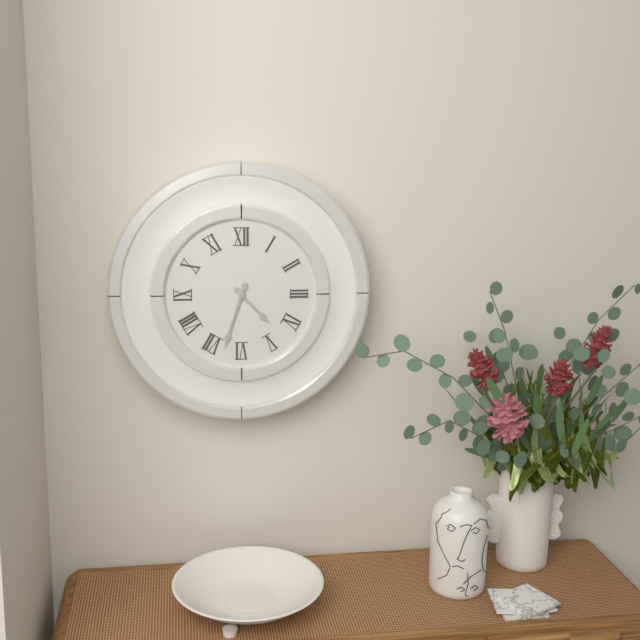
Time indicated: 4:33
